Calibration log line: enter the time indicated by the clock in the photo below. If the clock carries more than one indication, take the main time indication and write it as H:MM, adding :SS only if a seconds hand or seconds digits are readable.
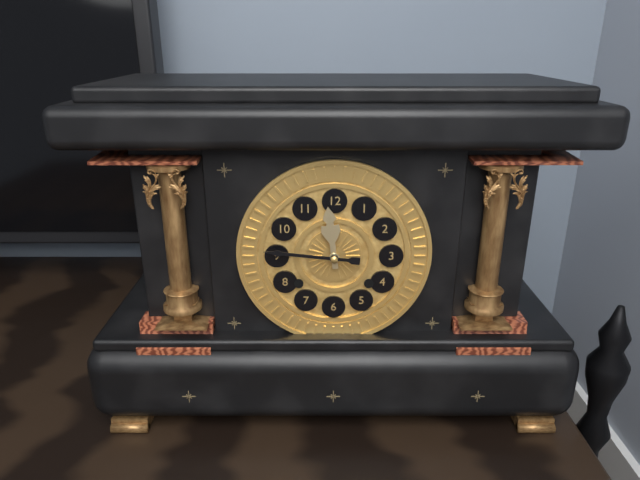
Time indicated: 11:46
